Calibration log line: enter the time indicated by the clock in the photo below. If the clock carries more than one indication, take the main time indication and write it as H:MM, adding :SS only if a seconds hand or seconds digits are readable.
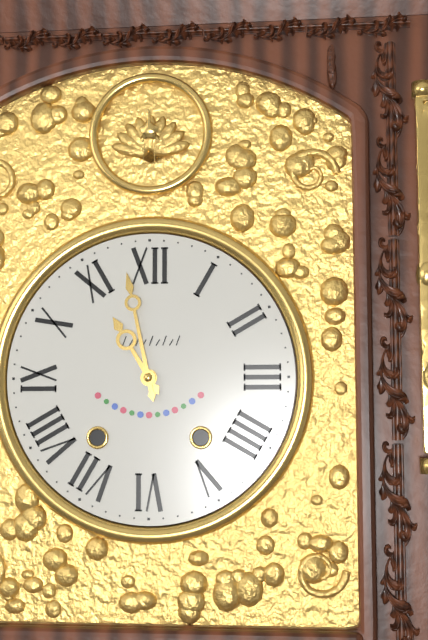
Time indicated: 10:58
